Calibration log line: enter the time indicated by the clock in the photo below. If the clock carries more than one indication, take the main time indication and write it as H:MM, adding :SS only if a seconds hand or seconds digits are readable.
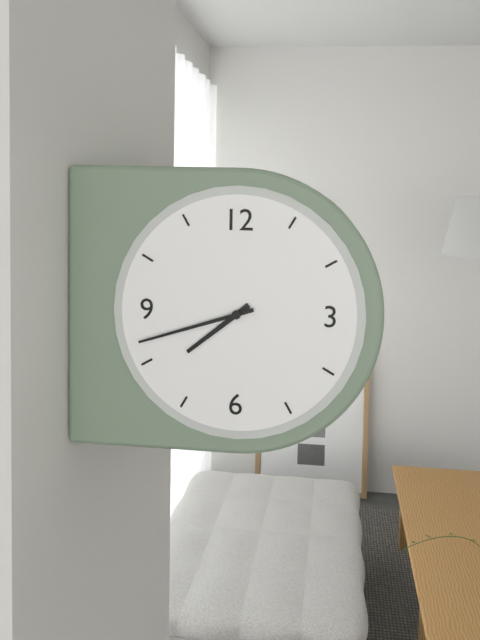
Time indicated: 7:42
